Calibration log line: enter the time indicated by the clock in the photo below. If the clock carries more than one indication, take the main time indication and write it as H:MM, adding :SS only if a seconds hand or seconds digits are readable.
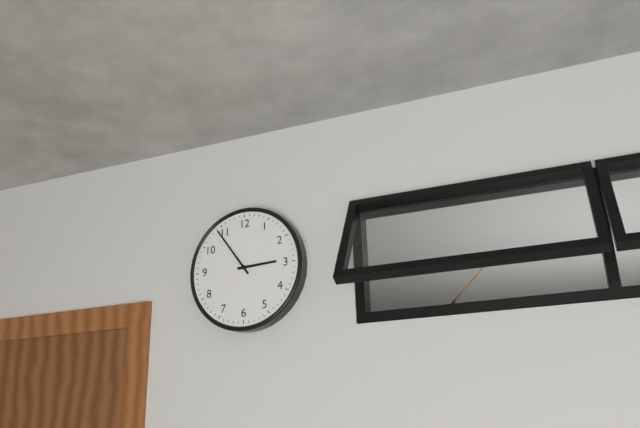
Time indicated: 2:54
